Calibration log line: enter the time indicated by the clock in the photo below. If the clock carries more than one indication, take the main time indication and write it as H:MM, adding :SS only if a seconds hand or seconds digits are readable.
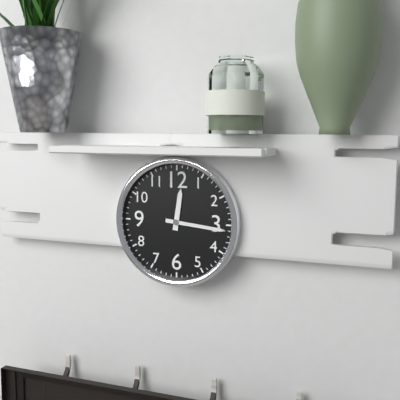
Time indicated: 12:16
